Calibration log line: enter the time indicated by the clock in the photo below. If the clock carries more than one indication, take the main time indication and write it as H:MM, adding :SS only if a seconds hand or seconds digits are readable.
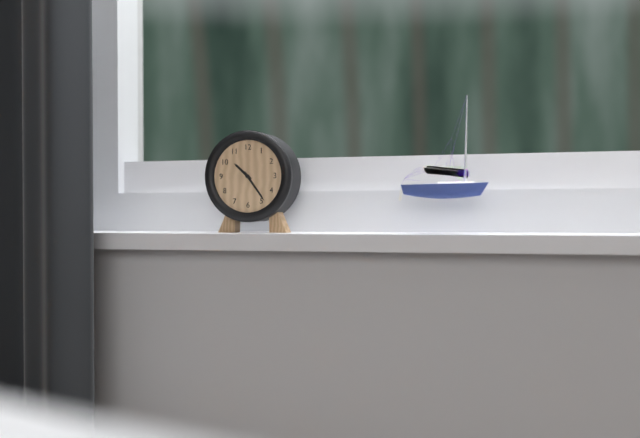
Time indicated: 10:24
